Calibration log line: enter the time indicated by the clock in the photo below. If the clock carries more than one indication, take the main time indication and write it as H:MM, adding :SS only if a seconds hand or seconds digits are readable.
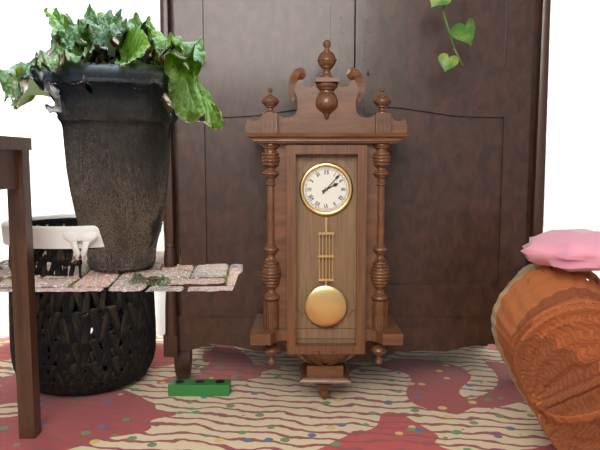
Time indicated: 2:07
